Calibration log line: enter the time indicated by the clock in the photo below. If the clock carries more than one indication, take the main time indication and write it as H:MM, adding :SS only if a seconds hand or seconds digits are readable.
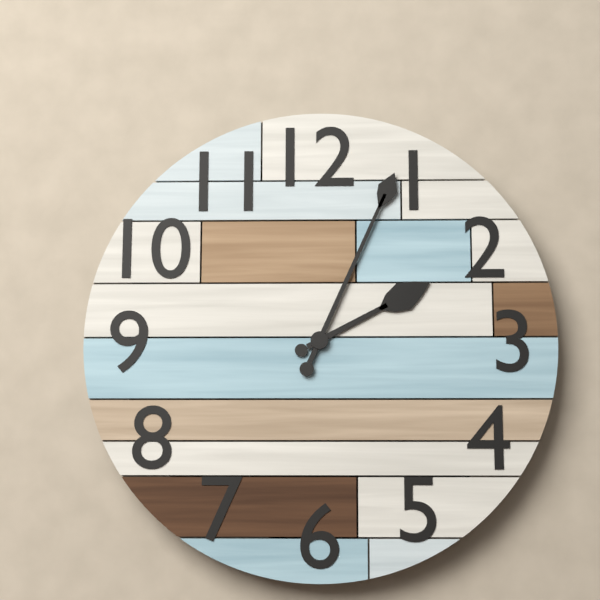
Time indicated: 2:04
